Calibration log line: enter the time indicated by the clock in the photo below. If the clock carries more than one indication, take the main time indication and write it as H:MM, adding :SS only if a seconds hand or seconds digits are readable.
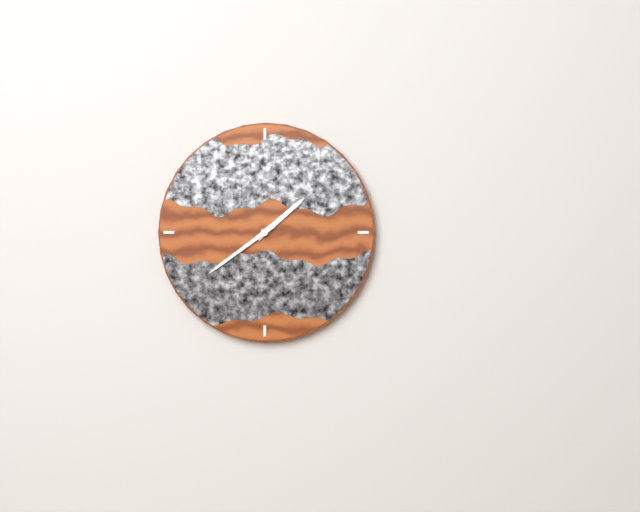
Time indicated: 1:39
